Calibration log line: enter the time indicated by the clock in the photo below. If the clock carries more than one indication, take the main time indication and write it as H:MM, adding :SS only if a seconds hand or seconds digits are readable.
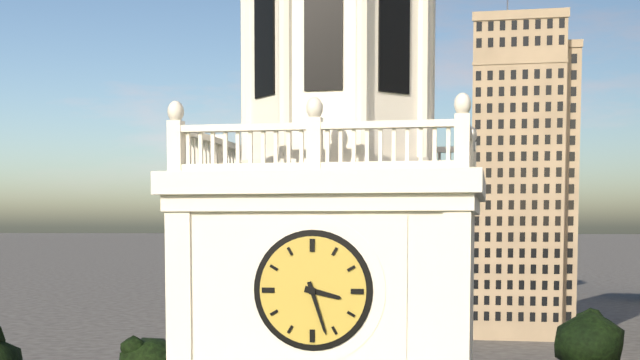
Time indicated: 3:27
